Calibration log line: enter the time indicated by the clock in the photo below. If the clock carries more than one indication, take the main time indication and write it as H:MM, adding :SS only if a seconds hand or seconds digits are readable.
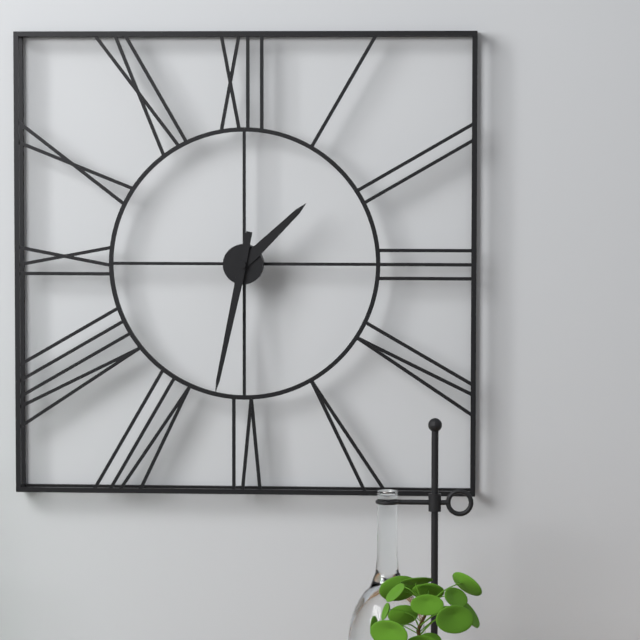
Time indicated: 1:32
